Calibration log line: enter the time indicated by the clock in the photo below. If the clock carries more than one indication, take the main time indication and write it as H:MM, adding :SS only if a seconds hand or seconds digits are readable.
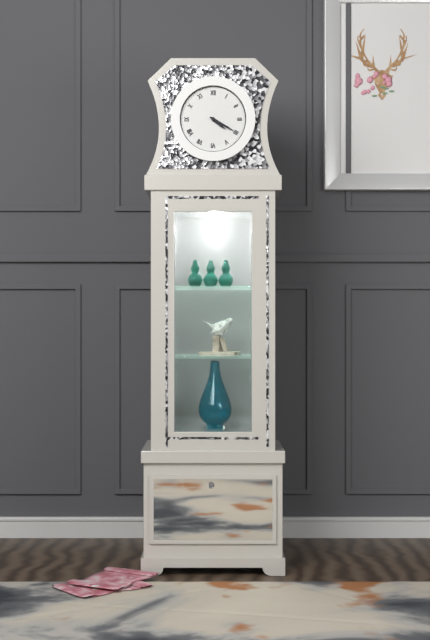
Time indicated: 4:20
